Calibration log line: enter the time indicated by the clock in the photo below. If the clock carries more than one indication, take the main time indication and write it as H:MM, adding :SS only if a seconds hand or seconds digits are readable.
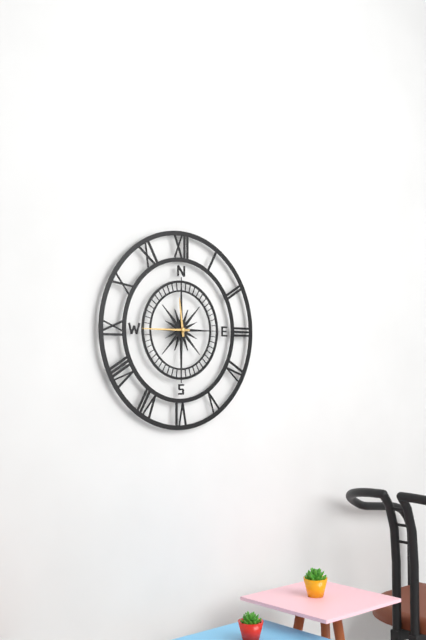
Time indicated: 11:45
